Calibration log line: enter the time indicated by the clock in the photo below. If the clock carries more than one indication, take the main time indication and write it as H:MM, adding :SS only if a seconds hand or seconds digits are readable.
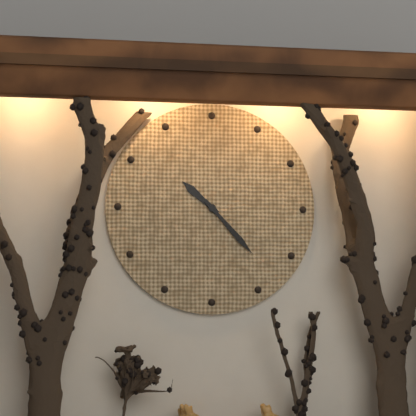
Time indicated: 10:23
